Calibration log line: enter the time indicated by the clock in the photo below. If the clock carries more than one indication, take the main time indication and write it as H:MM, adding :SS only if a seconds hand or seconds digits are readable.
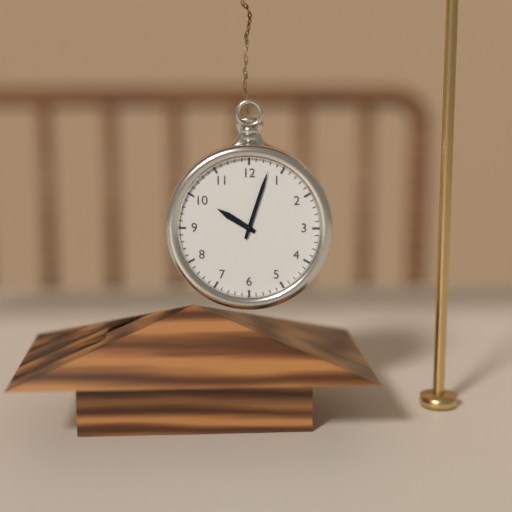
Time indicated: 10:03
